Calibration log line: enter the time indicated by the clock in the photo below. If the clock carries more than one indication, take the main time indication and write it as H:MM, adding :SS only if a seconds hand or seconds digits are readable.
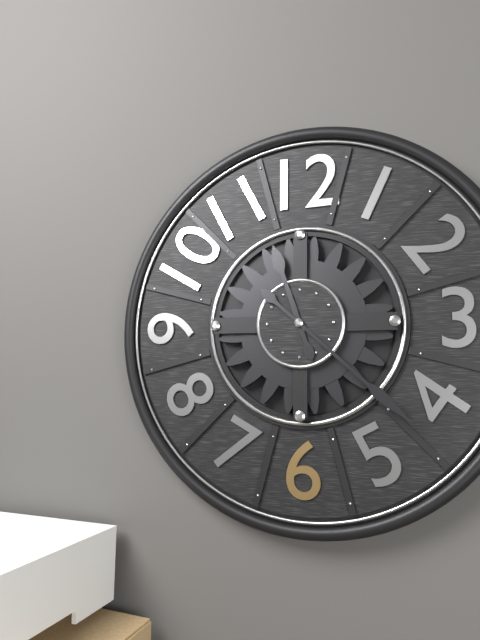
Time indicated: 11:22
